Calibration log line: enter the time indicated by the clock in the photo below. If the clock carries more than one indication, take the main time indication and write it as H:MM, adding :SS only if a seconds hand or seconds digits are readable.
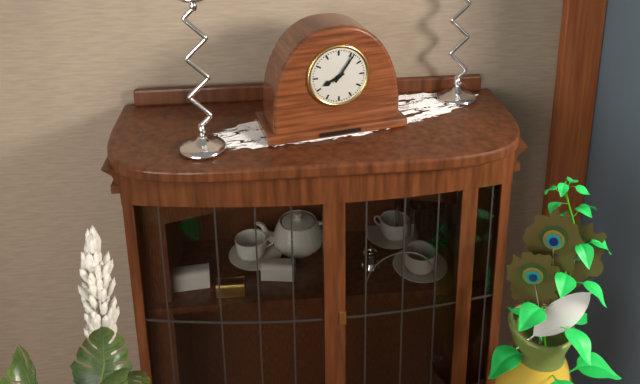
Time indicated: 8:06
